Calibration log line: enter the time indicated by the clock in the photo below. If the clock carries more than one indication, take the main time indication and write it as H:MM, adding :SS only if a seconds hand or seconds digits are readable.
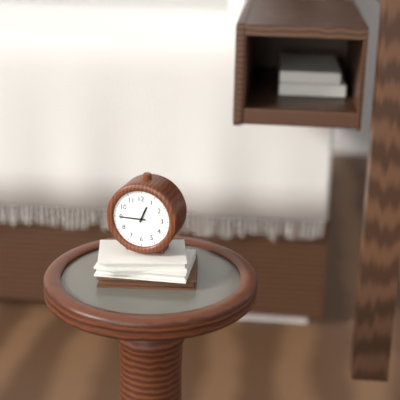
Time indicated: 12:45
